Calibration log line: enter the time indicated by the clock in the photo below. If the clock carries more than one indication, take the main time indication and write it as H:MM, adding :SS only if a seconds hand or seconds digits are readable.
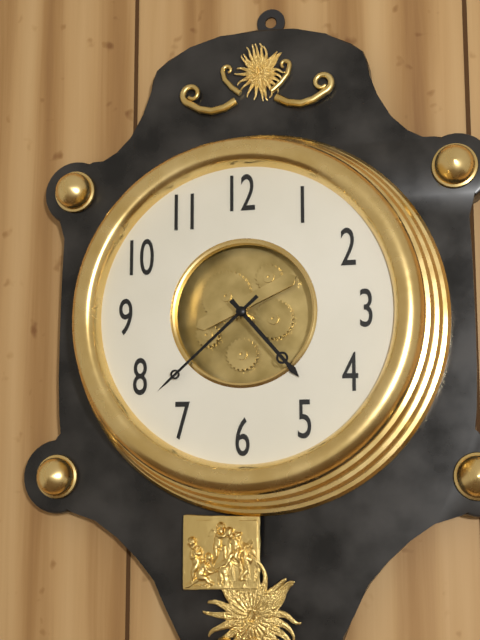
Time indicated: 4:38
